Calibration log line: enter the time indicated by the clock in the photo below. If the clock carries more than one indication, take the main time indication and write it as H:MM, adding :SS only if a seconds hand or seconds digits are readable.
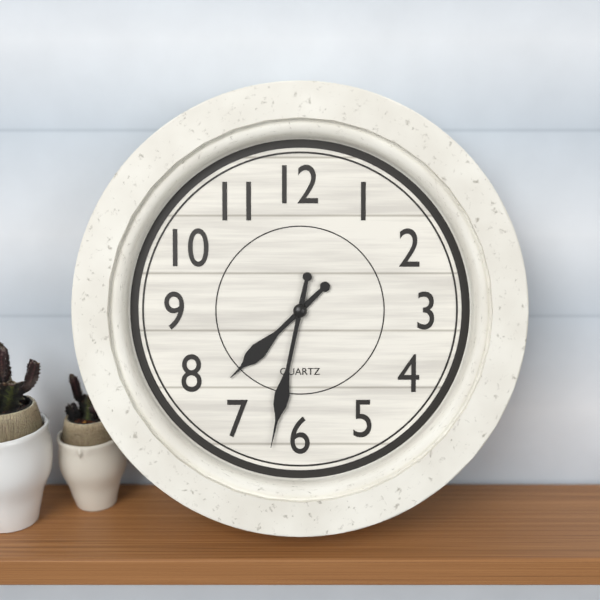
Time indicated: 7:32
